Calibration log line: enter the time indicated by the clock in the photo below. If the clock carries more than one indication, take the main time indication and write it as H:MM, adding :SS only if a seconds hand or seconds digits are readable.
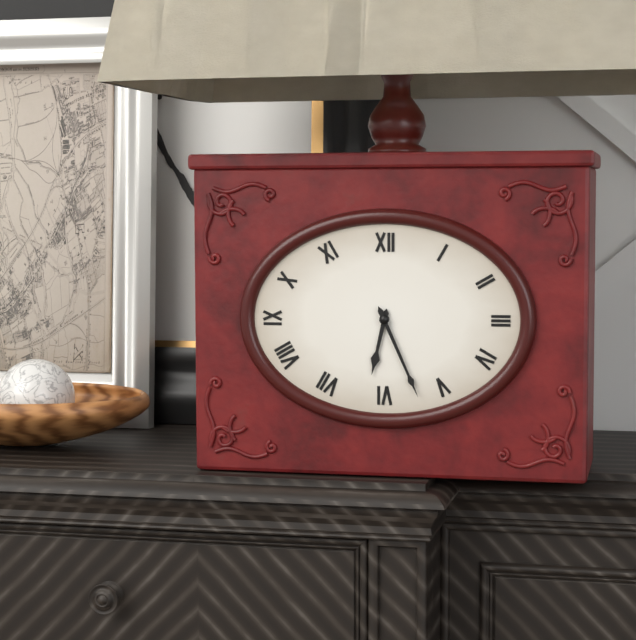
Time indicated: 6:26
